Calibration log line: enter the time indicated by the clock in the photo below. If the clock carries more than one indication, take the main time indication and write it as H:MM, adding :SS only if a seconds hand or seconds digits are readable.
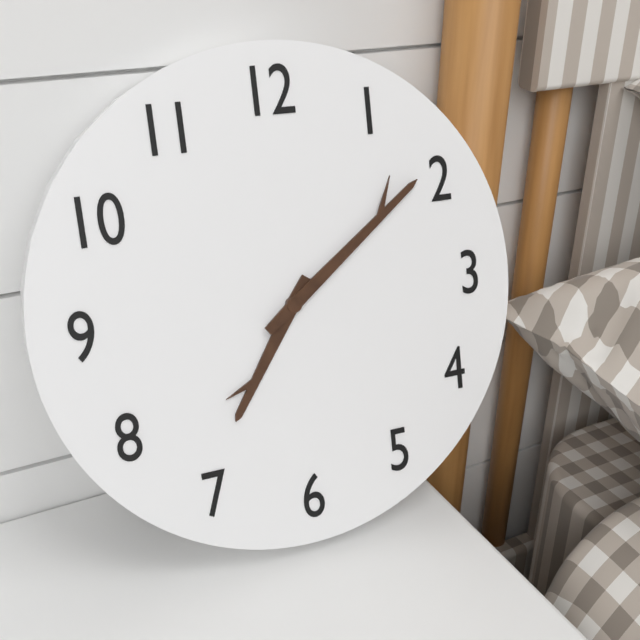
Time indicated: 7:09
